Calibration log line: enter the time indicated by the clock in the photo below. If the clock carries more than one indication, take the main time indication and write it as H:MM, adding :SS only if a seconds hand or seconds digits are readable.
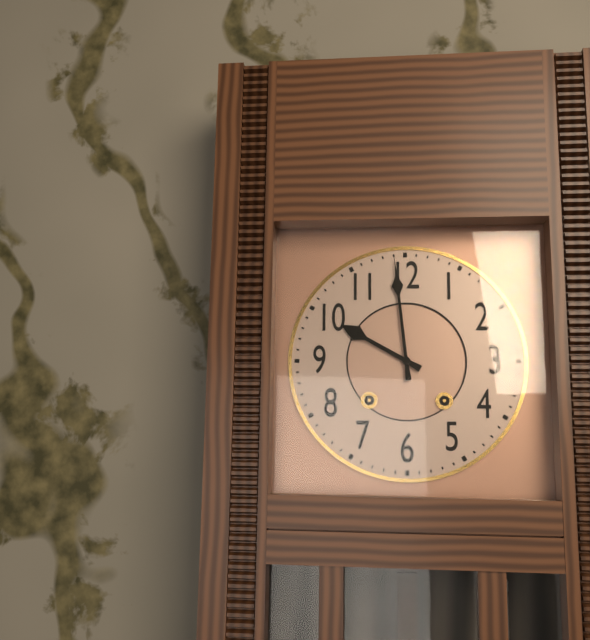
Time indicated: 9:59
